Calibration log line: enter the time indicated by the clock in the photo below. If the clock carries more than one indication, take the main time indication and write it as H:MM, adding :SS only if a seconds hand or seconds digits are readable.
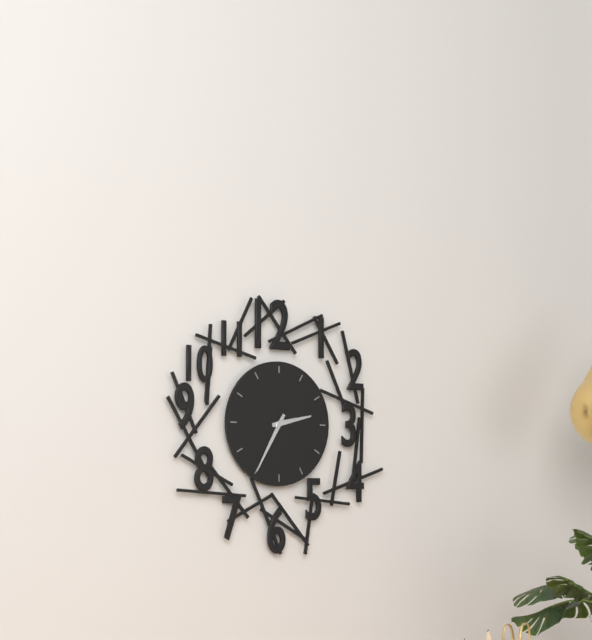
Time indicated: 2:35
